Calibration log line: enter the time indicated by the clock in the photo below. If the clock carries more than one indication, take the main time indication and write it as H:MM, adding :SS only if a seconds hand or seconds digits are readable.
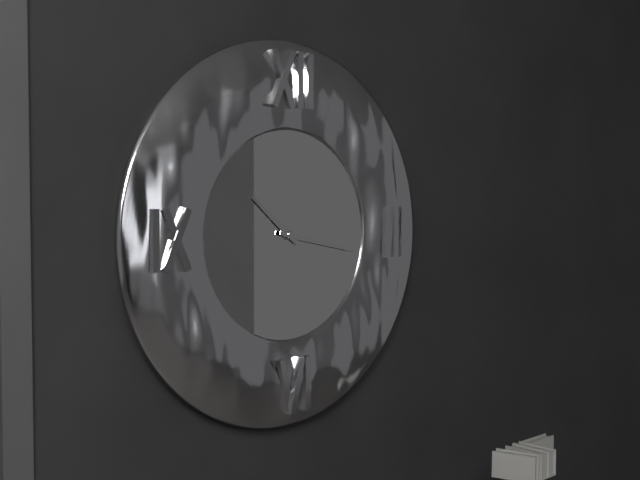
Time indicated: 10:17
